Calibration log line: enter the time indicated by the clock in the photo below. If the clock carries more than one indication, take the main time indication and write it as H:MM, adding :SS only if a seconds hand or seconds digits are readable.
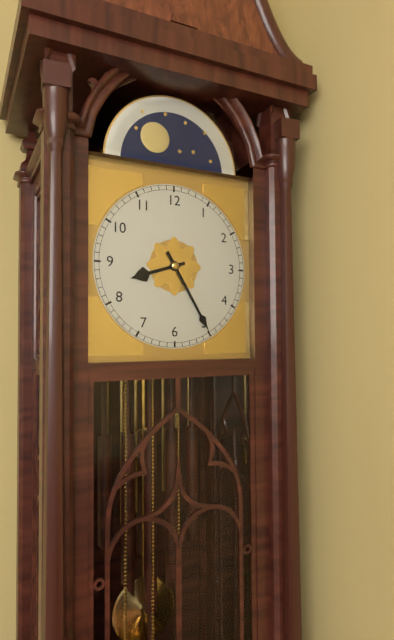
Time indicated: 8:25
